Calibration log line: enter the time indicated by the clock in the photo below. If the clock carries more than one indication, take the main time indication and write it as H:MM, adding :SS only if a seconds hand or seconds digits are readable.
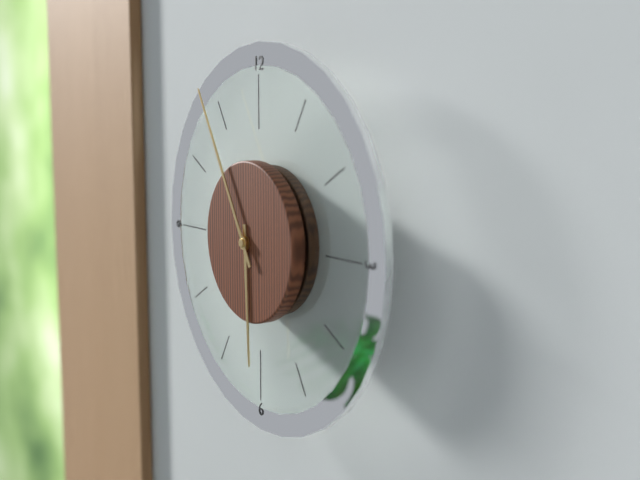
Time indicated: 5:55
